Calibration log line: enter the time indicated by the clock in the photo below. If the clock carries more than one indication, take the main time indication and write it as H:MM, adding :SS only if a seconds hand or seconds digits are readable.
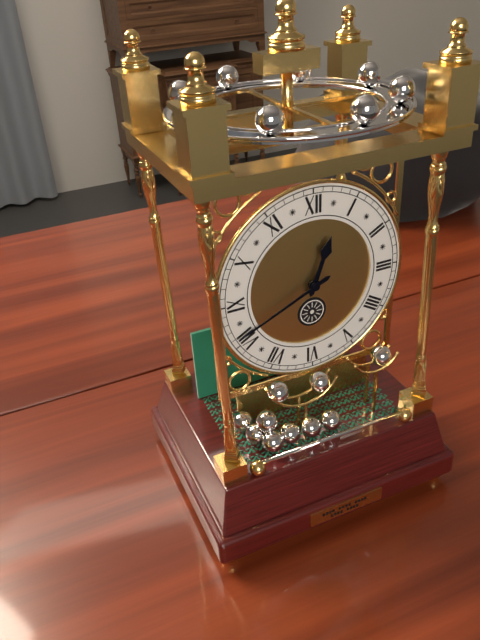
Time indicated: 12:41
